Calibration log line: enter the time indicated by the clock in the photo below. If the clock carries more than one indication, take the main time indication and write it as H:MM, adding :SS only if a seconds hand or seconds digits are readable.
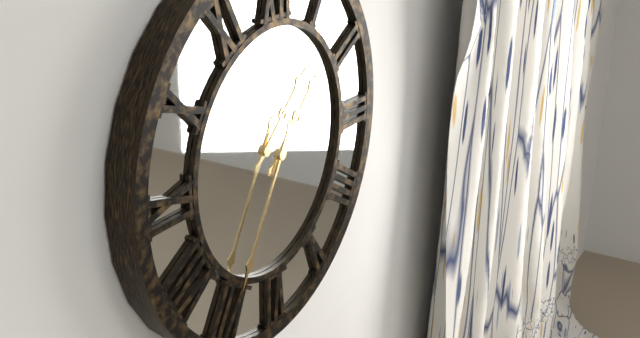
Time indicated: 1:35
